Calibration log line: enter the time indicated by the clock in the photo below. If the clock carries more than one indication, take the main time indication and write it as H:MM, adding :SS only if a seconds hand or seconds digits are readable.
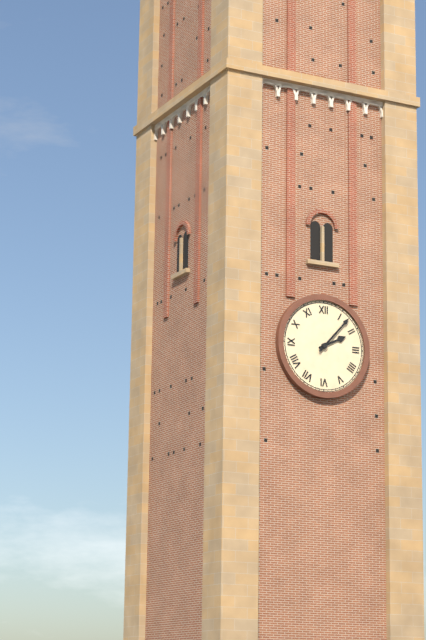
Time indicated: 2:07
